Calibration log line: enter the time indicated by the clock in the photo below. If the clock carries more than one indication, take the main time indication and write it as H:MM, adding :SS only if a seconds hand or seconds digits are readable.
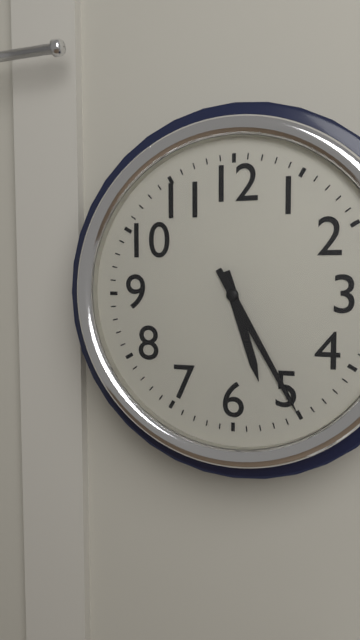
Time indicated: 5:25
